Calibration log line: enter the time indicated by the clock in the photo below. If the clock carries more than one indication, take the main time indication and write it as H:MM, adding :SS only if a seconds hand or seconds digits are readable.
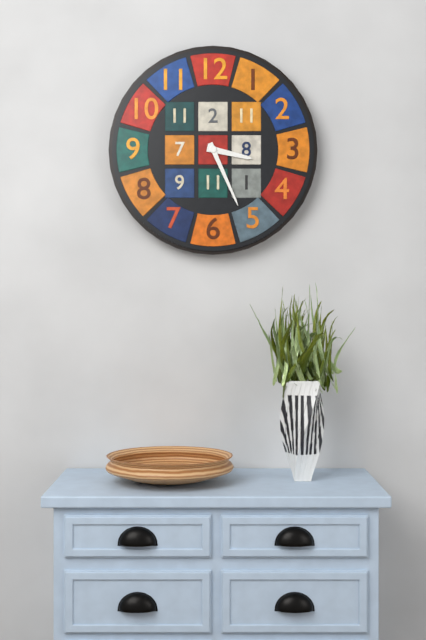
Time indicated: 3:26
